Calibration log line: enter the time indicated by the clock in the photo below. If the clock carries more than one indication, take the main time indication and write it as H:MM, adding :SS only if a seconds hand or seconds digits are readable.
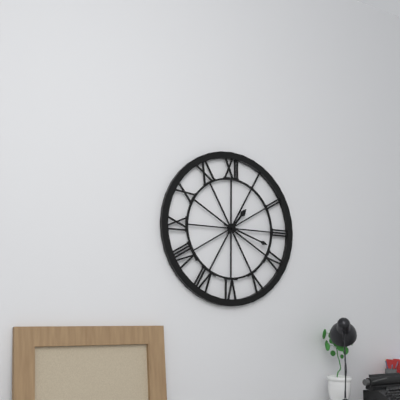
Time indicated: 1:18
